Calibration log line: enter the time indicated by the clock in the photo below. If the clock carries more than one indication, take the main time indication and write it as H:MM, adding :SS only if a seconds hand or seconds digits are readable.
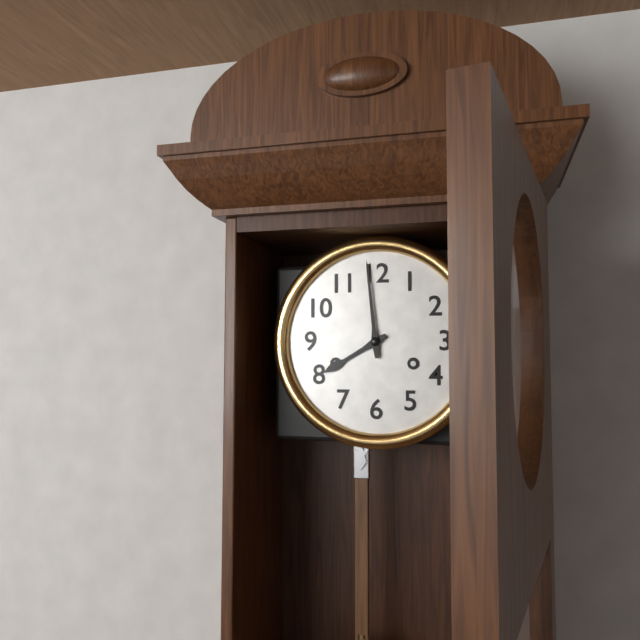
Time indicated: 7:59
